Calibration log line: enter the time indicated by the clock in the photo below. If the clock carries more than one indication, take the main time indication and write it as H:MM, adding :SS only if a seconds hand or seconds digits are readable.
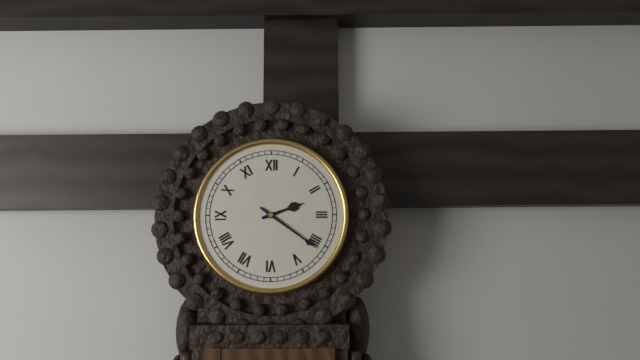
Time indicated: 2:21
